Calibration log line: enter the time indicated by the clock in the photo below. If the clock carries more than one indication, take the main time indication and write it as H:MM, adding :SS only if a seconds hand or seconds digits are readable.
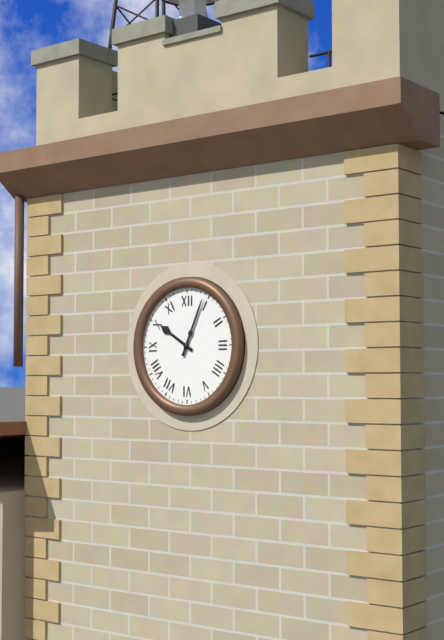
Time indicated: 10:04
